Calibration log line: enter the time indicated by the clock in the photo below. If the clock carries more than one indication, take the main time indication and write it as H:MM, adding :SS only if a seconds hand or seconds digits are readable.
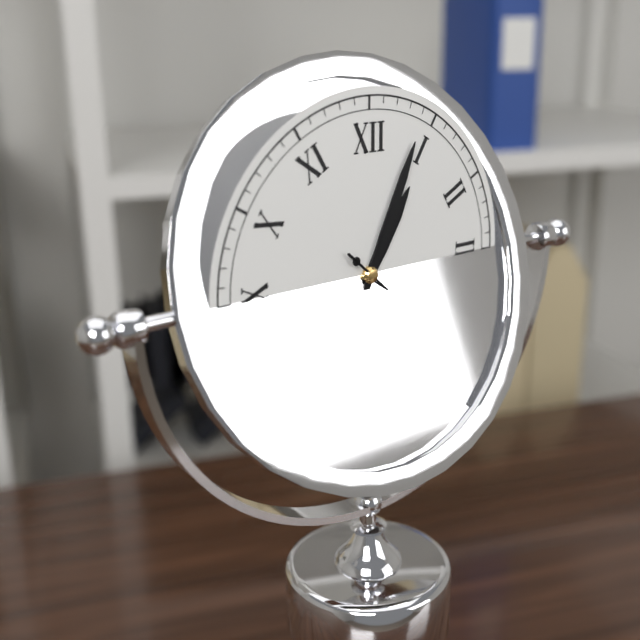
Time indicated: 1:04
